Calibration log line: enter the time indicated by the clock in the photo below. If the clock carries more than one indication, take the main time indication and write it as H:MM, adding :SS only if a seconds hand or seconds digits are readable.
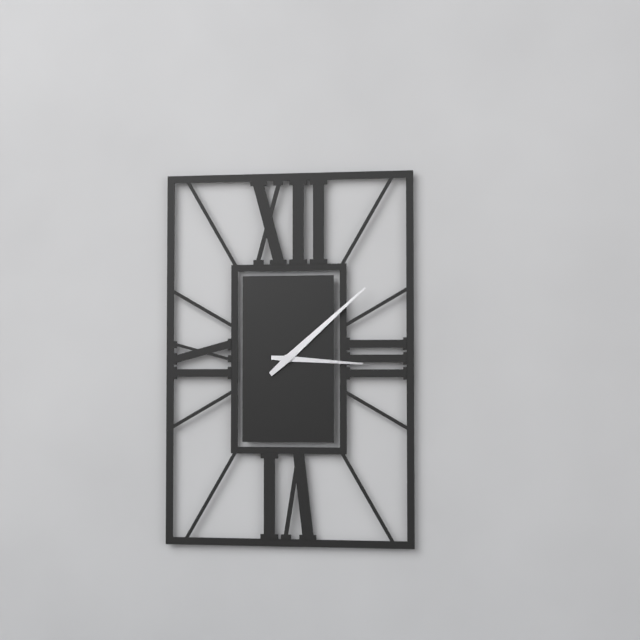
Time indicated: 3:08
